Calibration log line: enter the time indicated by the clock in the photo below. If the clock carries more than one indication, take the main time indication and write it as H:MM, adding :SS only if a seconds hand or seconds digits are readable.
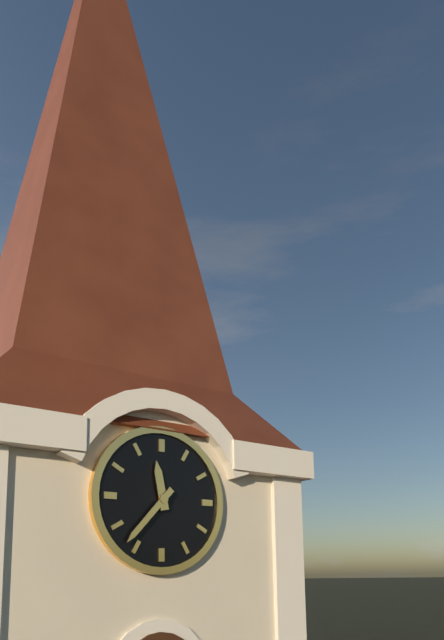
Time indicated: 11:37
